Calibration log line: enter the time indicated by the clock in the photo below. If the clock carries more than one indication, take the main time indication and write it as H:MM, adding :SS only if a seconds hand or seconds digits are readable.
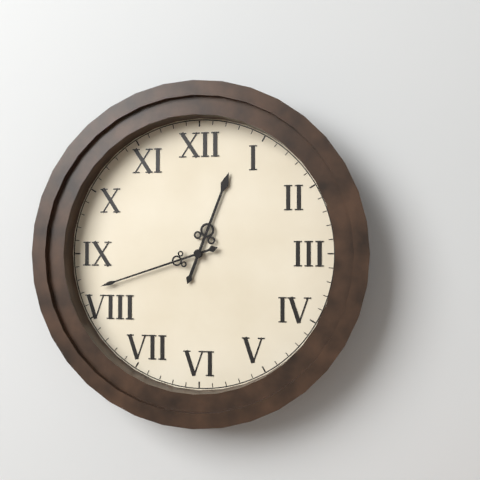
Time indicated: 12:42
